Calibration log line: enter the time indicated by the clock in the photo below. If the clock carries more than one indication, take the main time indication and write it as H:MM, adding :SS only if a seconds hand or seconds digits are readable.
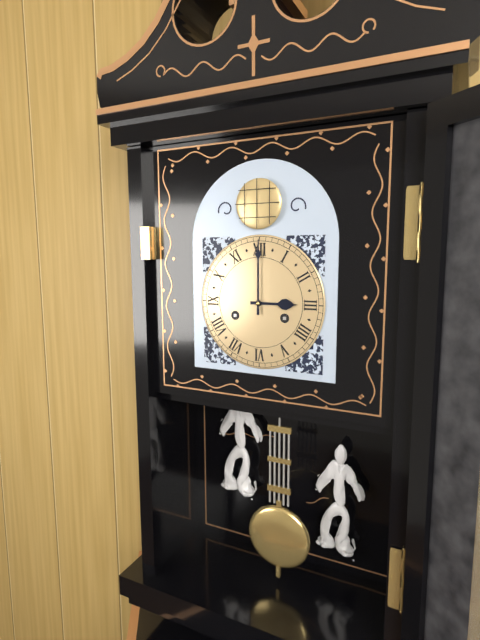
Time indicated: 3:00
